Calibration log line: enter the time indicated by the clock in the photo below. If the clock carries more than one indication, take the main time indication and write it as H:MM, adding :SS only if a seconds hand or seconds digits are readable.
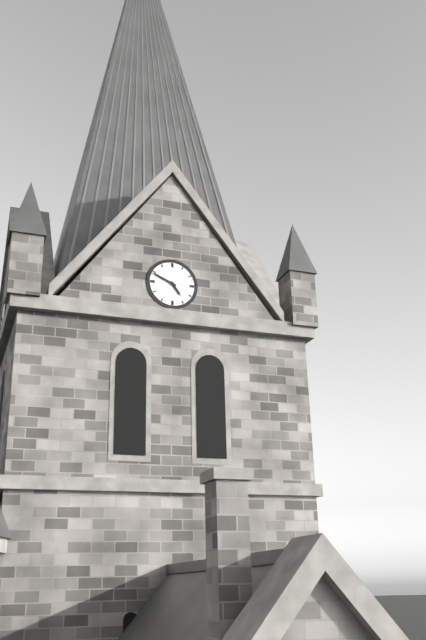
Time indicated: 4:49
